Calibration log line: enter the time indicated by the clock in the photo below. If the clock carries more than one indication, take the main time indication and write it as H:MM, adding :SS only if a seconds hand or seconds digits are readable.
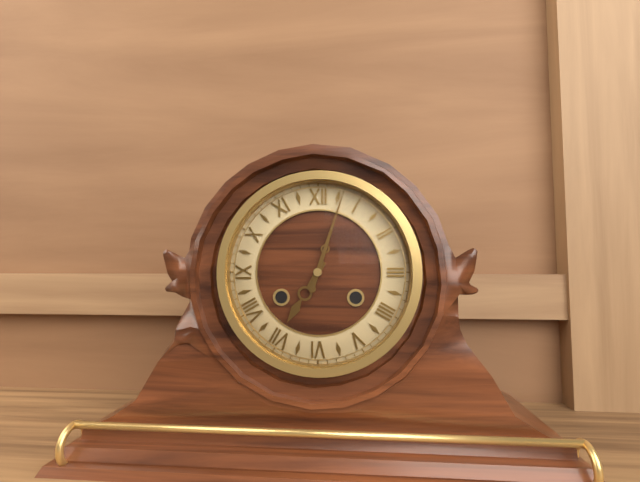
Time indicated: 7:03
